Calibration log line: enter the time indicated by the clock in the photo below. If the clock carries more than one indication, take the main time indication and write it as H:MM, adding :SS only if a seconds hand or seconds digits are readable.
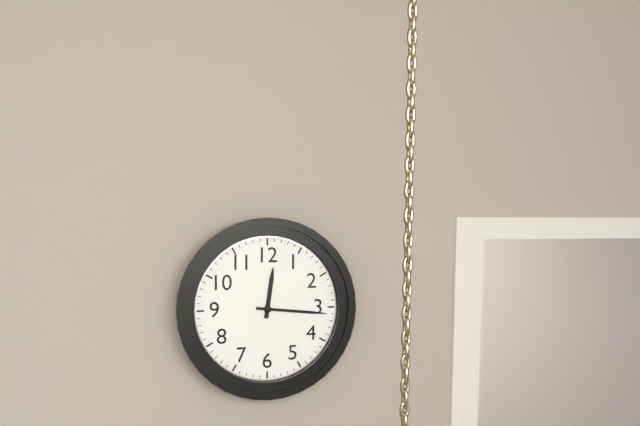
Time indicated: 12:16
